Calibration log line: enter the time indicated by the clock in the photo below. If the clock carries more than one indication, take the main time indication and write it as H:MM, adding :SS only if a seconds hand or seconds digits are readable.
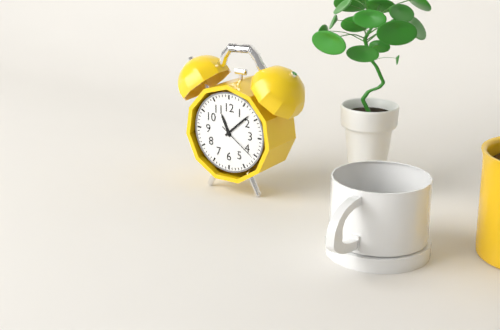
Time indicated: 11:08
